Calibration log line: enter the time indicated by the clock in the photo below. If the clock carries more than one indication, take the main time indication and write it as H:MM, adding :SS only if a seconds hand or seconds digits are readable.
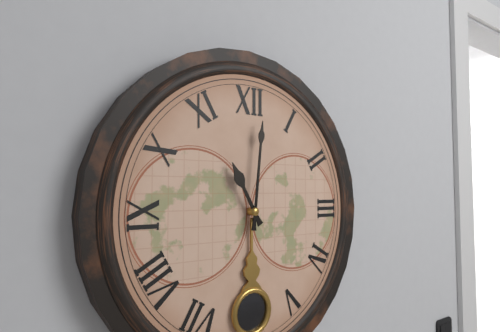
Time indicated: 11:01
